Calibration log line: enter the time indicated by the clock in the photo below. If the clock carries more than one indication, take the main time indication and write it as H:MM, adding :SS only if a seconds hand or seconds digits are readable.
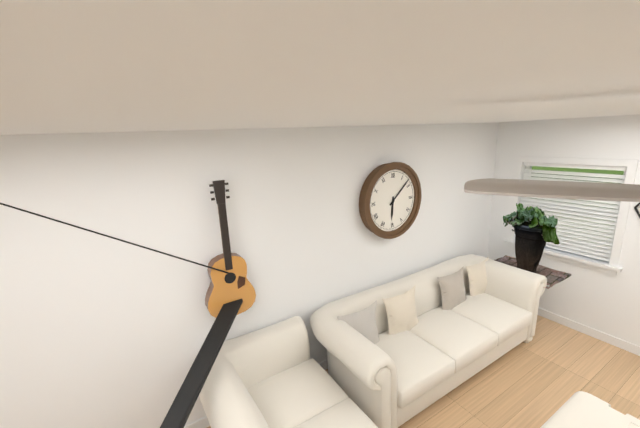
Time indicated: 6:08
